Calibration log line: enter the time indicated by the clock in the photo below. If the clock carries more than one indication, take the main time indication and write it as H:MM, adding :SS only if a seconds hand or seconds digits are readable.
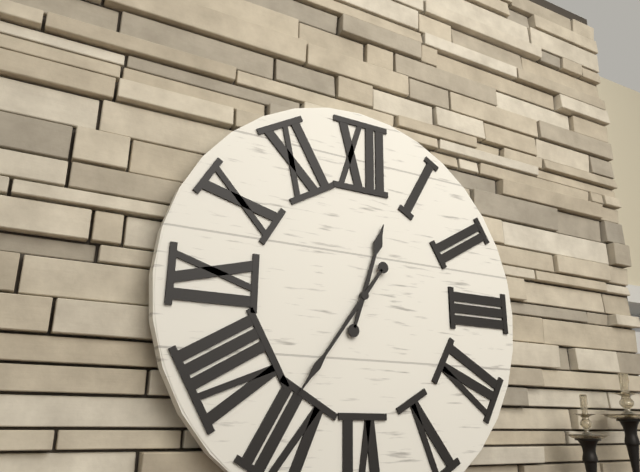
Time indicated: 12:36
